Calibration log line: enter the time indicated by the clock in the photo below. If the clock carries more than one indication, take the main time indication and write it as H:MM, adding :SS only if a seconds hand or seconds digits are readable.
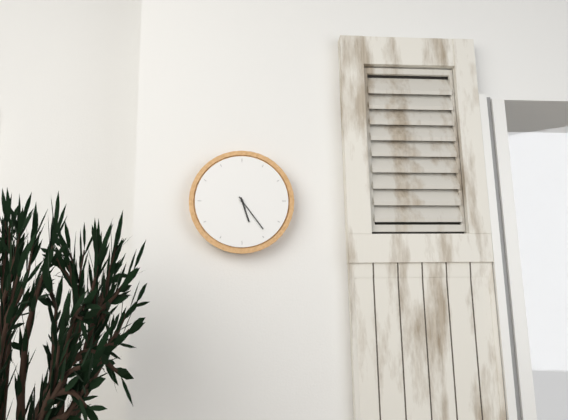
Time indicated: 5:24
